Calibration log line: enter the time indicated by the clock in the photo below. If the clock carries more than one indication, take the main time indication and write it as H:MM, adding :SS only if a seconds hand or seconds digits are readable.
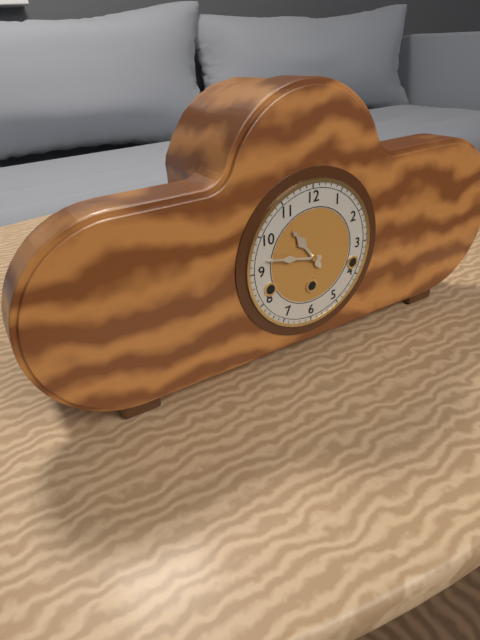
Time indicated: 10:47
